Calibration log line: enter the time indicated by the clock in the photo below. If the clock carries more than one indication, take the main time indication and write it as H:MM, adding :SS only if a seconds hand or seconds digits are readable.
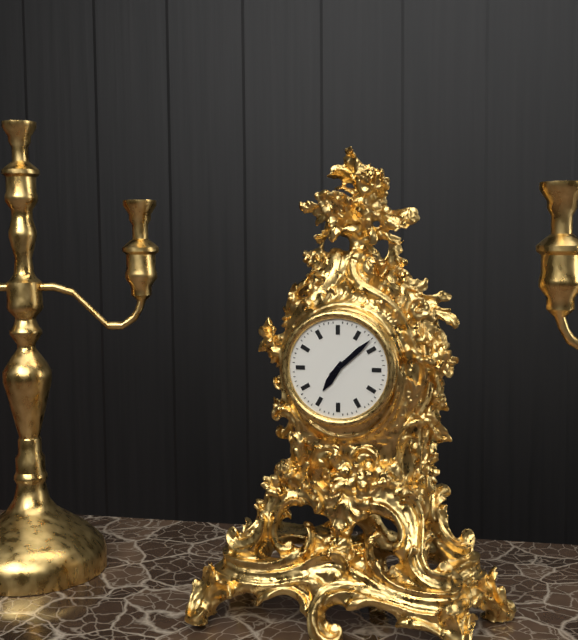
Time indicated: 7:08
